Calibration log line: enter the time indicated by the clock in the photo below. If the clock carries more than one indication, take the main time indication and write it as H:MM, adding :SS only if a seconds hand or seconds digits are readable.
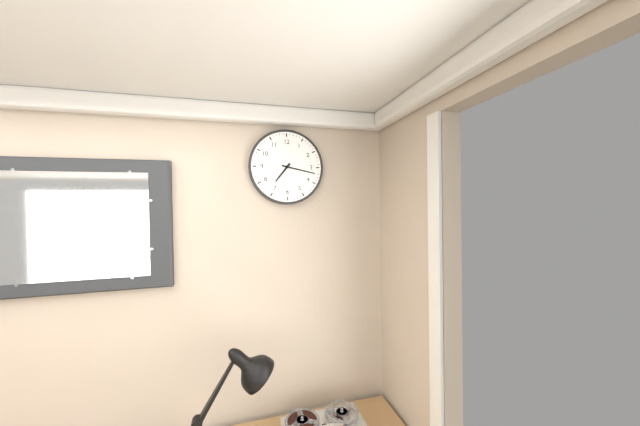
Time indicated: 7:17
